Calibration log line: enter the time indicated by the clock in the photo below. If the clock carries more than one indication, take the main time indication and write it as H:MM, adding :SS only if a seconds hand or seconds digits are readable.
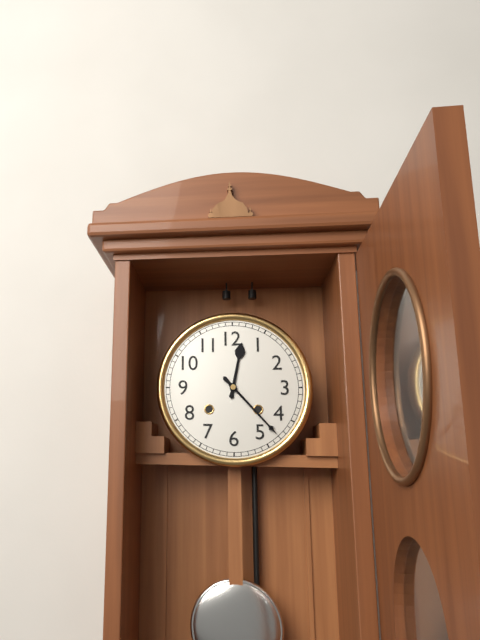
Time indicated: 12:23
